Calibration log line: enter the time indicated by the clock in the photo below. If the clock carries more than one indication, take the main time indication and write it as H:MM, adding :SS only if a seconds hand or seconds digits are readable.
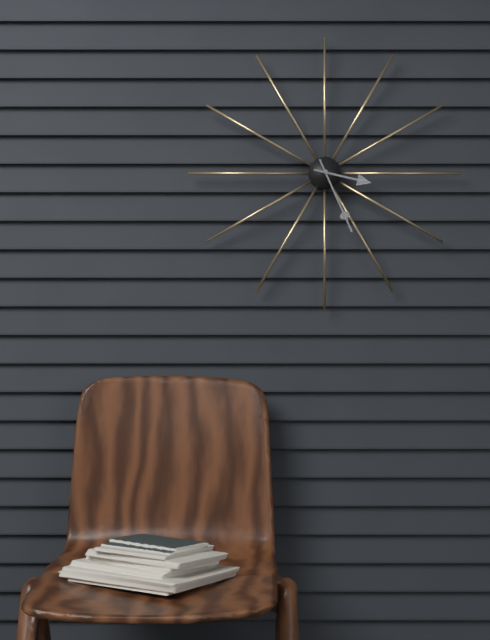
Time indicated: 3:26
